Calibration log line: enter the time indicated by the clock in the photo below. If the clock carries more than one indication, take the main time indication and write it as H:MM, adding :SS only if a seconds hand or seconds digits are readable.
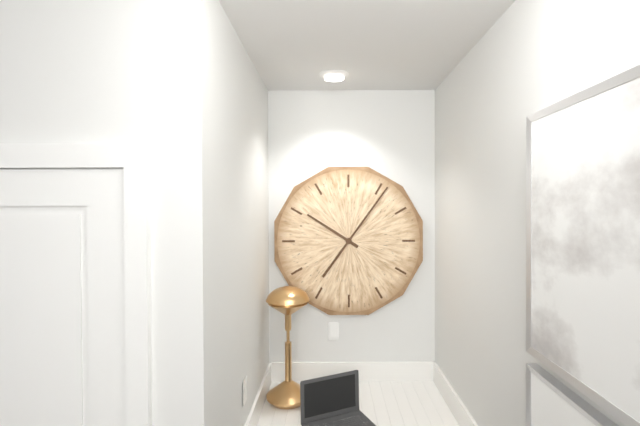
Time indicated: 10:06
